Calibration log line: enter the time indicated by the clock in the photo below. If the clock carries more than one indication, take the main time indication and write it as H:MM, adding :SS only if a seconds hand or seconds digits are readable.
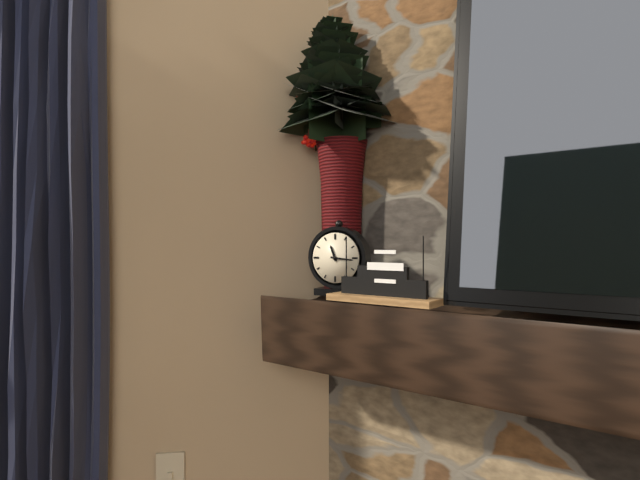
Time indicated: 11:16
